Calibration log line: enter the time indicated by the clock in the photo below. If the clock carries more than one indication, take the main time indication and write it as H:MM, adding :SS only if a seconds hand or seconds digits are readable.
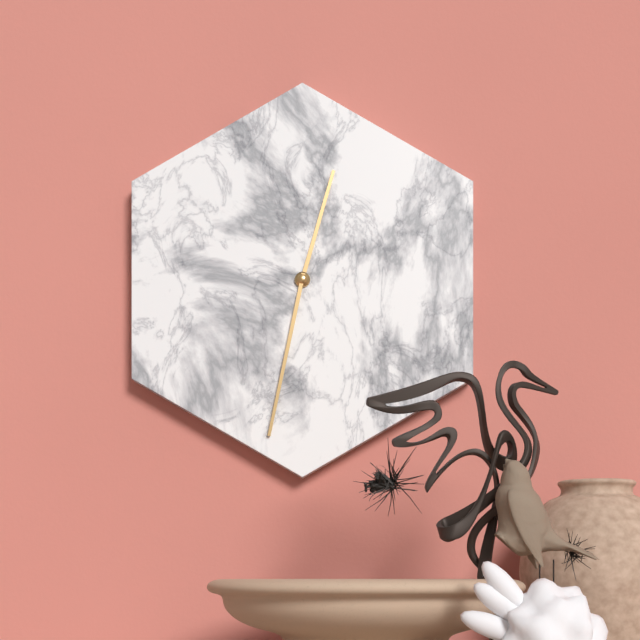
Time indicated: 12:32
